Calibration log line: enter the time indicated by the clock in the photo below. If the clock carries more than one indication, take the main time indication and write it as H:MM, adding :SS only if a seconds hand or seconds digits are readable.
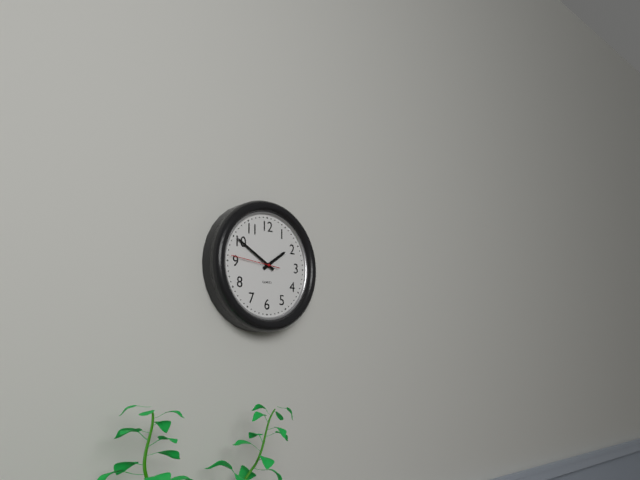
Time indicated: 1:50
